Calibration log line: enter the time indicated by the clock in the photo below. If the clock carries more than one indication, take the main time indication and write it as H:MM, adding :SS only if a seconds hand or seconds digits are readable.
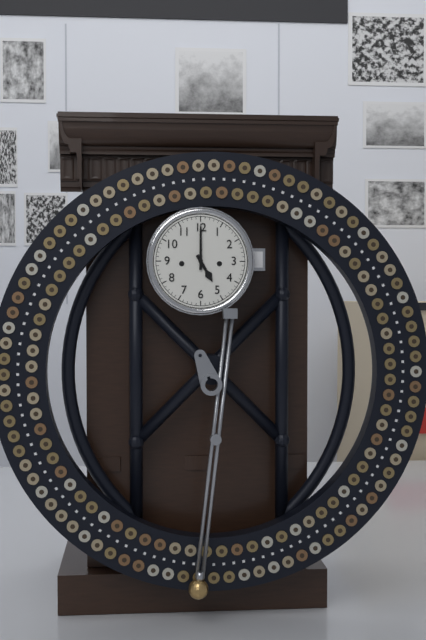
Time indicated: 5:00
